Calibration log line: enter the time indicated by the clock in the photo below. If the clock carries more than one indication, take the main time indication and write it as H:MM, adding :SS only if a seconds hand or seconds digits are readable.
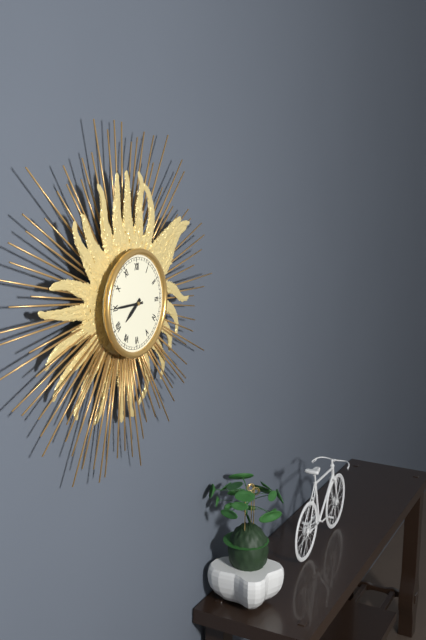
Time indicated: 7:45
